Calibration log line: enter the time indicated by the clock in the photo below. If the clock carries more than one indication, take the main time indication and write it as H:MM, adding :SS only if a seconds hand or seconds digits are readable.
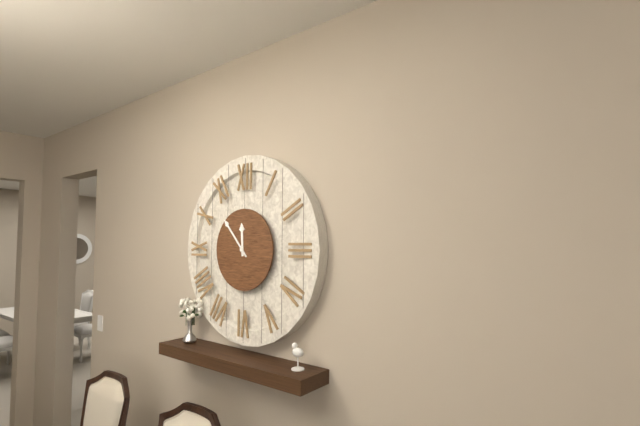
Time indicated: 11:53
